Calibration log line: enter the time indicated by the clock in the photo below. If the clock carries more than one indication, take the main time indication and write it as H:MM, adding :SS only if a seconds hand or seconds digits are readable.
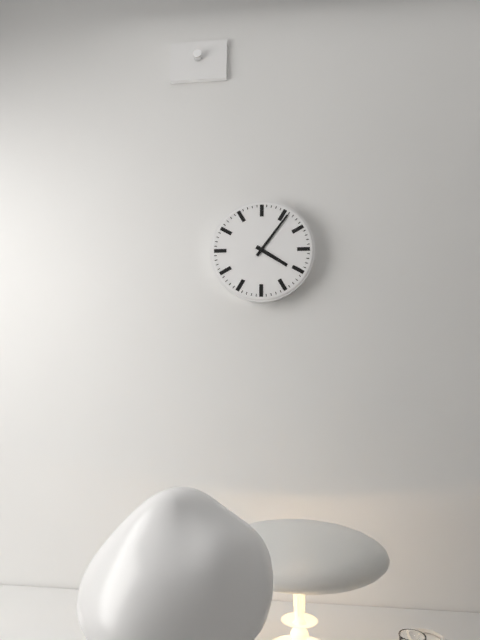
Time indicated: 4:06
